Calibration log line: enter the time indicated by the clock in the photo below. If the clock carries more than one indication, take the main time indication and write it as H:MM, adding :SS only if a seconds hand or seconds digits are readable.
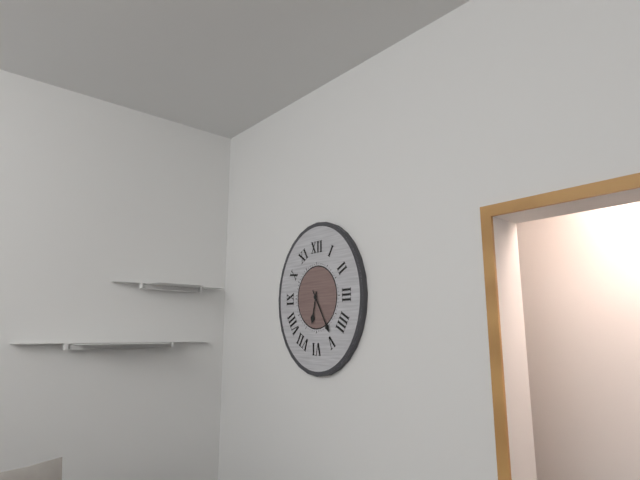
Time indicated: 6:25
